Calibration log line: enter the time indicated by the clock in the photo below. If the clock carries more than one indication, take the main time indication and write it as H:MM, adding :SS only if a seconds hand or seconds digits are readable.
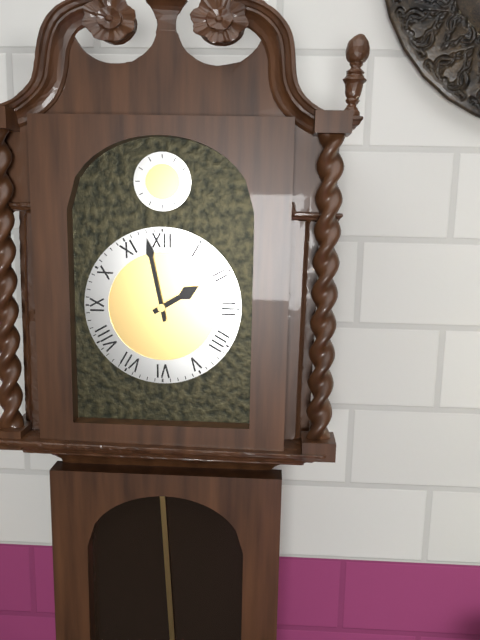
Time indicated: 1:58
